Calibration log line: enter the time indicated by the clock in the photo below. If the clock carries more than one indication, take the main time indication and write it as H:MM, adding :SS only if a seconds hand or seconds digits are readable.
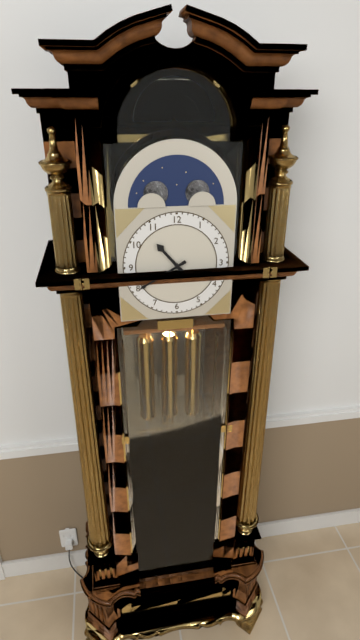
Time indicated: 10:40
